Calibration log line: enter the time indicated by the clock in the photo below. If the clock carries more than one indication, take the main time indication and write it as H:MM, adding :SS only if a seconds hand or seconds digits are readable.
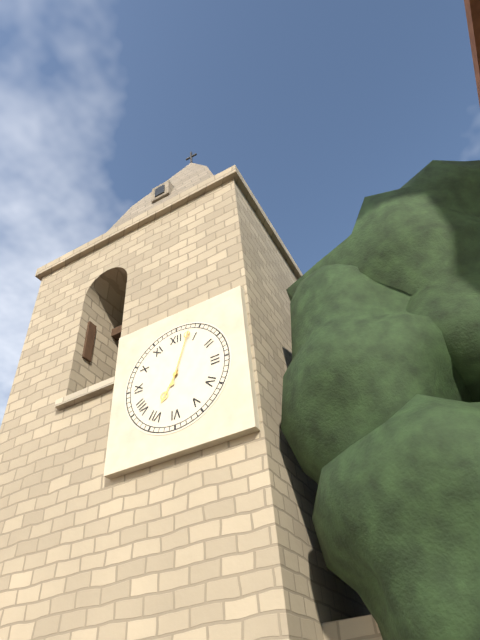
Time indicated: 7:03
